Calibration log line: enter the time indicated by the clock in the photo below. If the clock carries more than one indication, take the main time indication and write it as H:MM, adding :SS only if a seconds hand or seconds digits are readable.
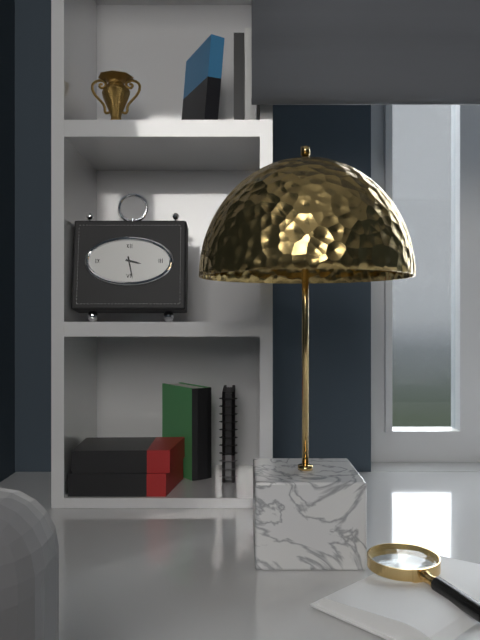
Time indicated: 3:28
